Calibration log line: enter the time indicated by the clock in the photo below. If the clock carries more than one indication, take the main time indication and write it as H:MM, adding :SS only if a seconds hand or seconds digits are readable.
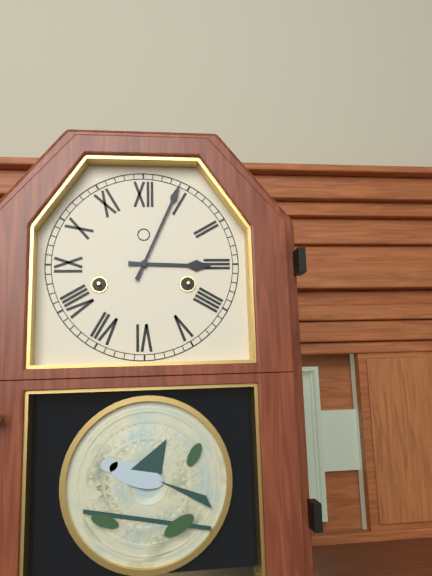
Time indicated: 3:04
